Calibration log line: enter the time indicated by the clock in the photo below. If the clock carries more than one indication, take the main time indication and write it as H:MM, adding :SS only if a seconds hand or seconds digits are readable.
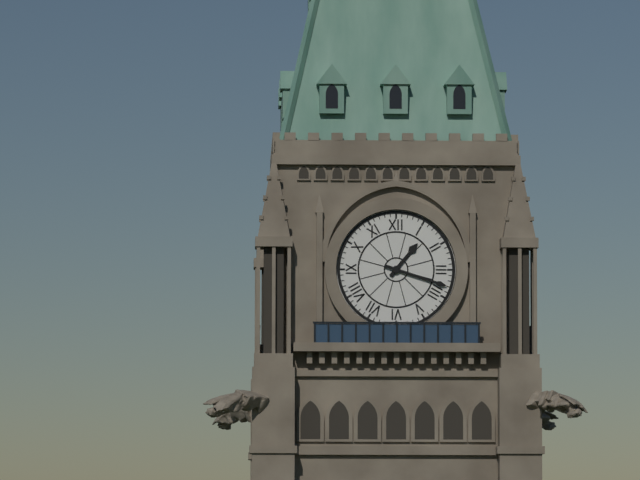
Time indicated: 1:18
